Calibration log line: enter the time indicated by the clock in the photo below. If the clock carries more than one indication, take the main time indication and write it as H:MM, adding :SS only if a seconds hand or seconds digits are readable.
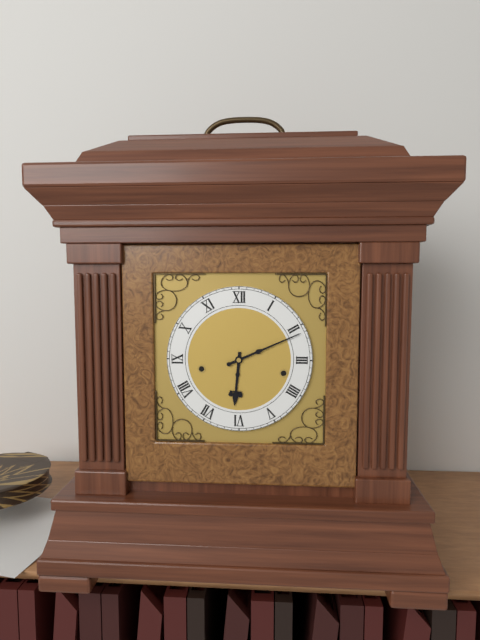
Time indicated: 6:11
